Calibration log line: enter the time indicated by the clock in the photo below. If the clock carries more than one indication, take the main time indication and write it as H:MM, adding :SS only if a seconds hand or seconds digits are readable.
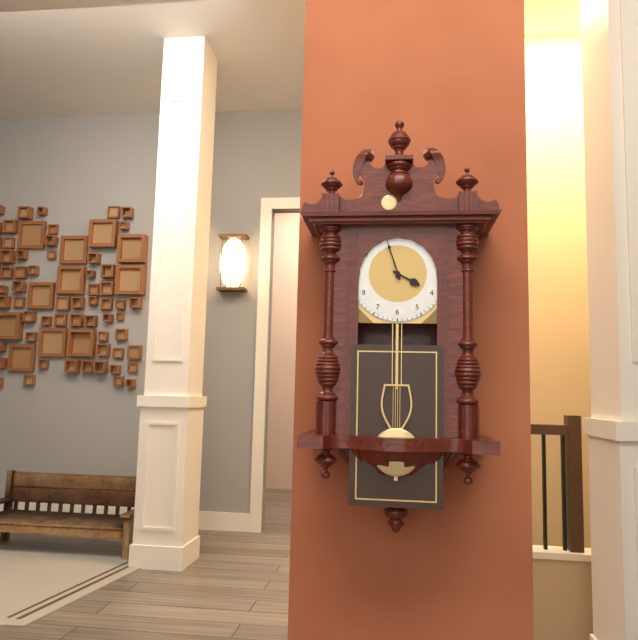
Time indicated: 3:57
